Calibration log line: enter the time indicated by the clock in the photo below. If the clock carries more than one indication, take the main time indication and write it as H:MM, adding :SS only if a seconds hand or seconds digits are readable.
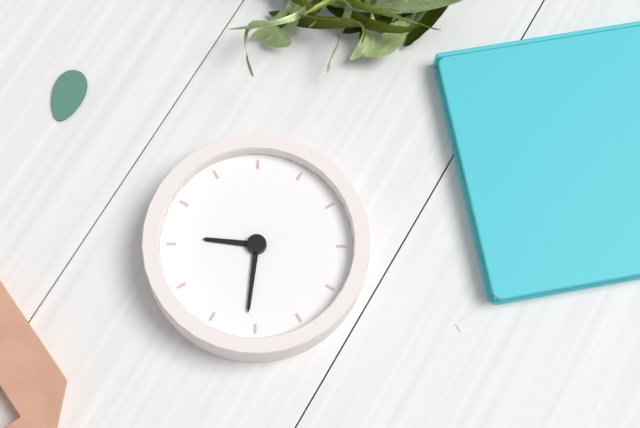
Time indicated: 5:11
